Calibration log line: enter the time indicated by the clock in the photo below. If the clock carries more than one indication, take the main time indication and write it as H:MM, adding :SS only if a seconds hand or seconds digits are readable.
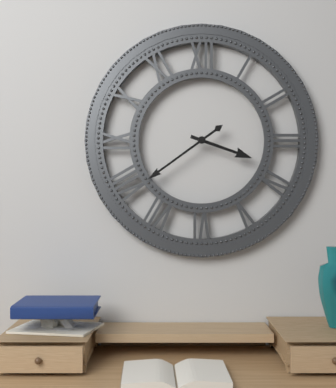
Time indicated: 3:39
